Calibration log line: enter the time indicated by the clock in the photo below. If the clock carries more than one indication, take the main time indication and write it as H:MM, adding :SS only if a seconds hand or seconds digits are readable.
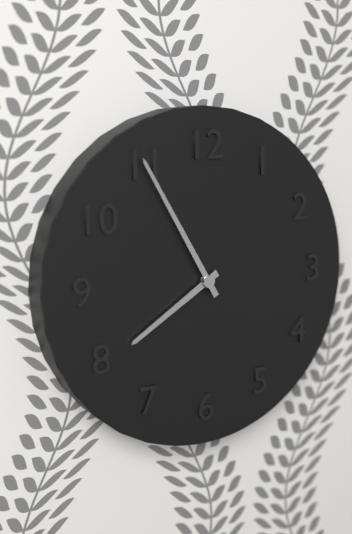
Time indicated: 7:55
